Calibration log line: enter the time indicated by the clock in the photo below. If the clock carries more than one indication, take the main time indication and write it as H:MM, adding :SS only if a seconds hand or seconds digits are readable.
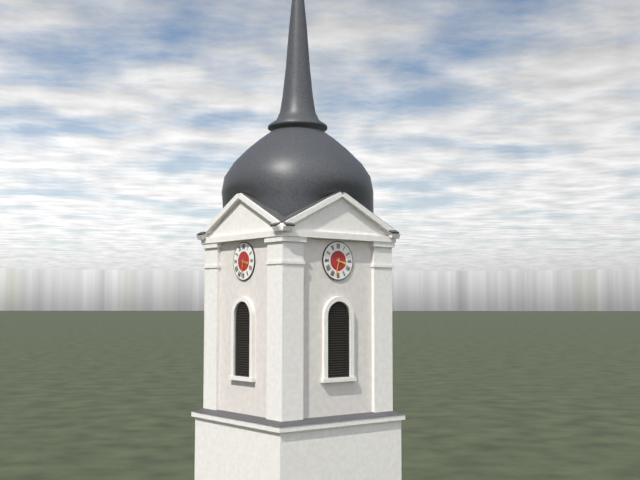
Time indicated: 3:32
